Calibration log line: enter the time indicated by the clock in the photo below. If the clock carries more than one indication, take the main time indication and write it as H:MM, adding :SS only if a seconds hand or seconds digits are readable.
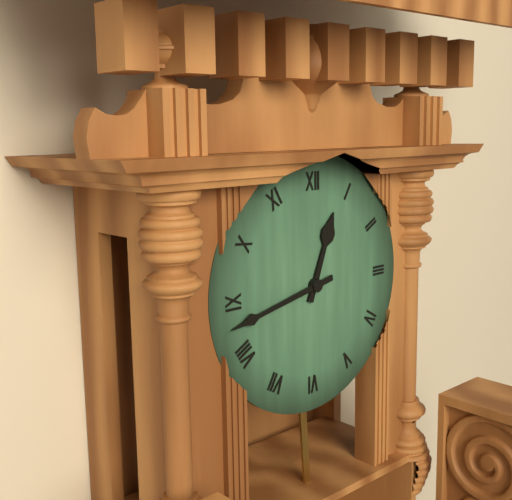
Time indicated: 12:43
